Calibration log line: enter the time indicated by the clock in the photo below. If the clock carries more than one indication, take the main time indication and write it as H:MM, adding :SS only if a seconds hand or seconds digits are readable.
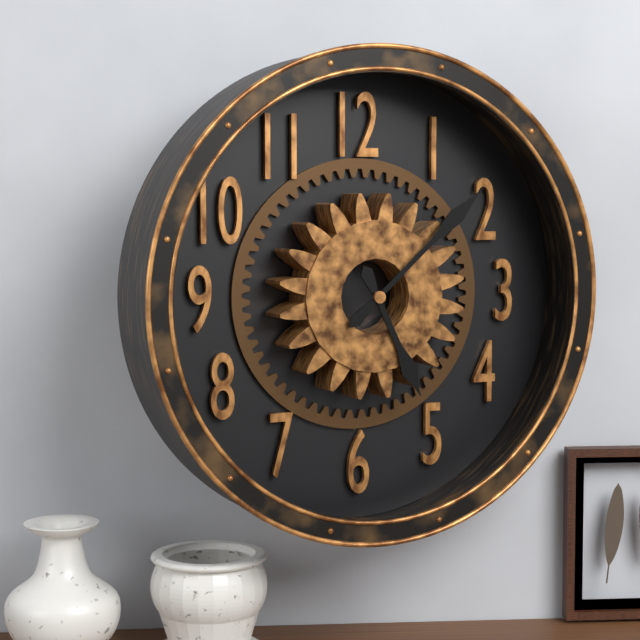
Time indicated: 5:08
